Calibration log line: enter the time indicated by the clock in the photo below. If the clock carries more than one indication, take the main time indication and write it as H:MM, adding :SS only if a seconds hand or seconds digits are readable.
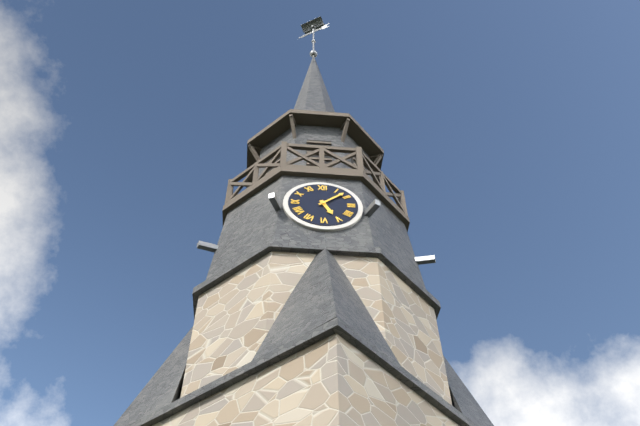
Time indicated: 5:08
